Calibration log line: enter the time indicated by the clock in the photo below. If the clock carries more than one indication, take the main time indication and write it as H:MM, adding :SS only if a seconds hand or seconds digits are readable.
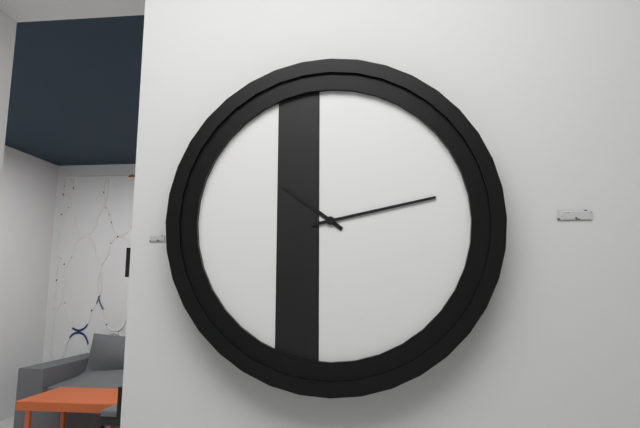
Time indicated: 10:13
